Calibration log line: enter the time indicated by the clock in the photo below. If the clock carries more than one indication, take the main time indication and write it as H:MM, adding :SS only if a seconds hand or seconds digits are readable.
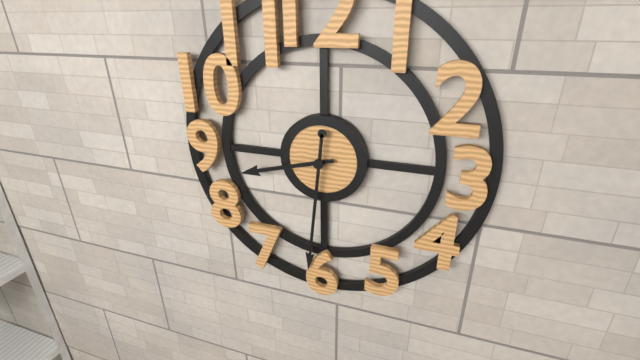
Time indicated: 8:31
